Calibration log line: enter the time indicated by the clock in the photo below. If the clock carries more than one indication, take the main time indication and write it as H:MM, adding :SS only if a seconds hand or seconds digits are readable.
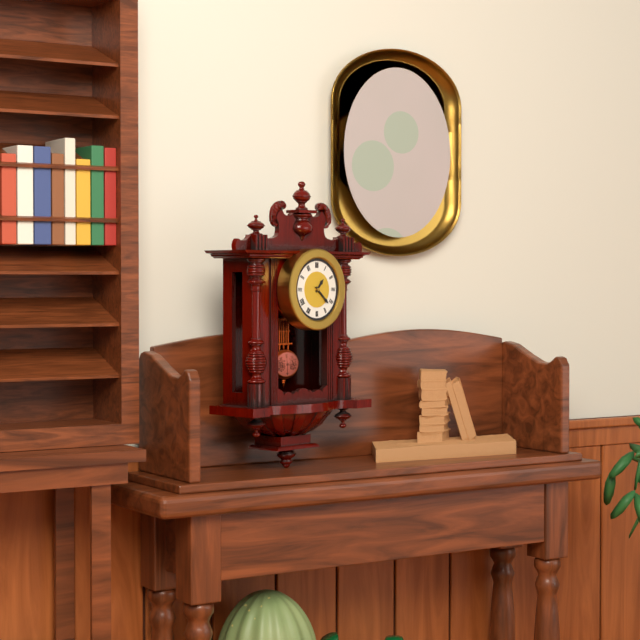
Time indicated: 1:22
